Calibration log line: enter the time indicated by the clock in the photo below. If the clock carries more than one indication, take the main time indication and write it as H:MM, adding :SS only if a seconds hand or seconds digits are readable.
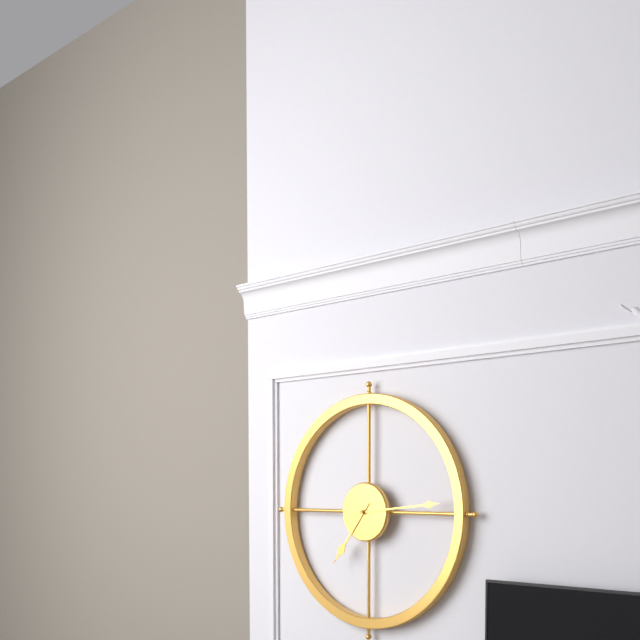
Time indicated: 7:14
